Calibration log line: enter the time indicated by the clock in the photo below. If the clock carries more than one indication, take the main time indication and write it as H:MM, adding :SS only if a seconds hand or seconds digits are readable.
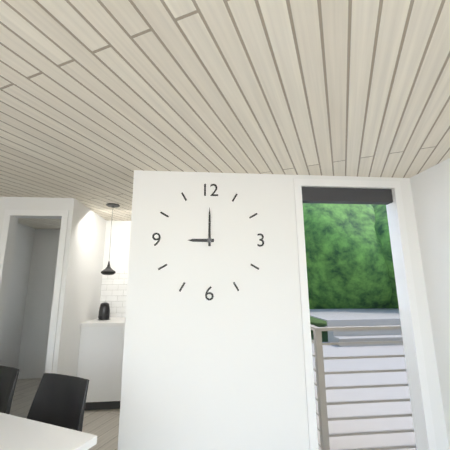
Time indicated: 9:00
